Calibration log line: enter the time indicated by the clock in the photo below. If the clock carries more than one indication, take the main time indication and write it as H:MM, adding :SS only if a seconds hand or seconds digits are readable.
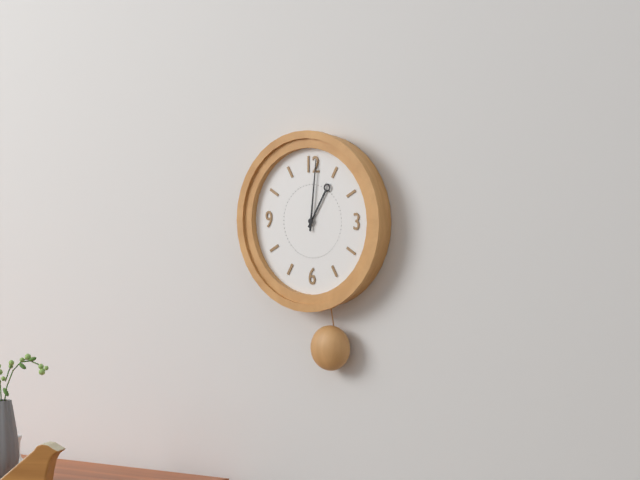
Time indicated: 1:01
